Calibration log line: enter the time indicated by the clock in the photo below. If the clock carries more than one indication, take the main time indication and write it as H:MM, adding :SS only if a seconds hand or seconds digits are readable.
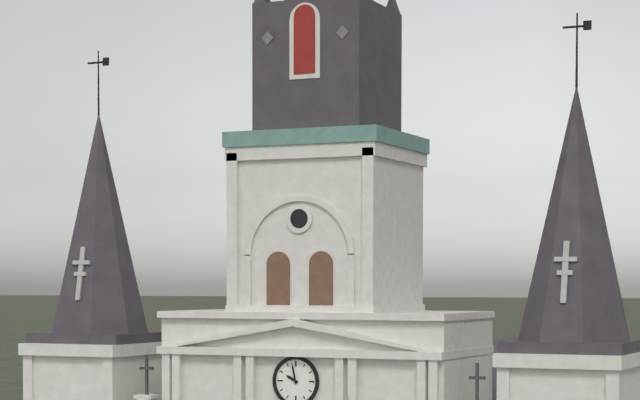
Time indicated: 9:58
